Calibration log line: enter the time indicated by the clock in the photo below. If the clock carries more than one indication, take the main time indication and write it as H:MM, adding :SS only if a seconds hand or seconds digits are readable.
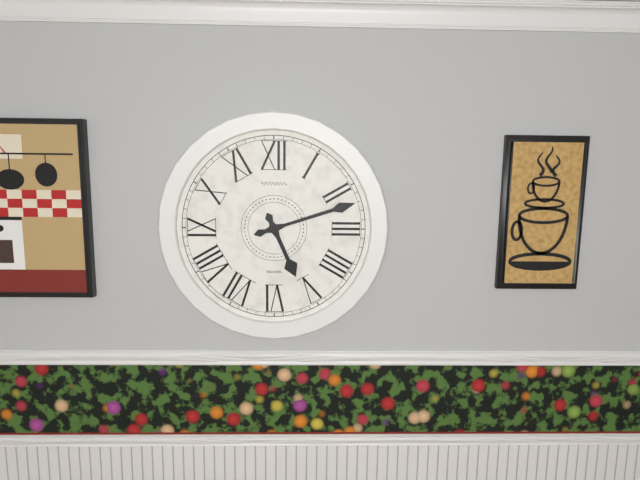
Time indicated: 5:12
